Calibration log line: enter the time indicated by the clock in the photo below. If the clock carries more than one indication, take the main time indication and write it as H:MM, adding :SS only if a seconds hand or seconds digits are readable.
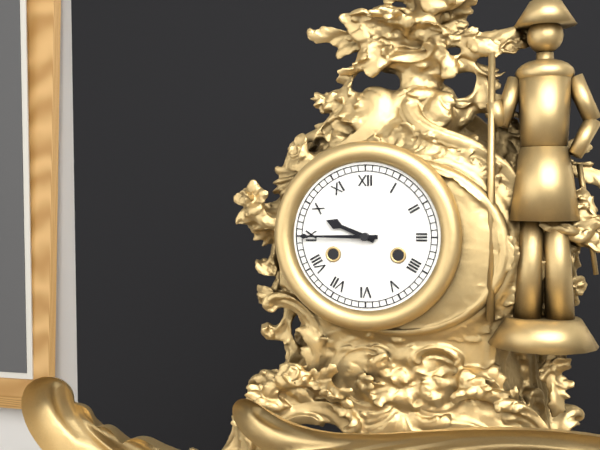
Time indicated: 9:45
